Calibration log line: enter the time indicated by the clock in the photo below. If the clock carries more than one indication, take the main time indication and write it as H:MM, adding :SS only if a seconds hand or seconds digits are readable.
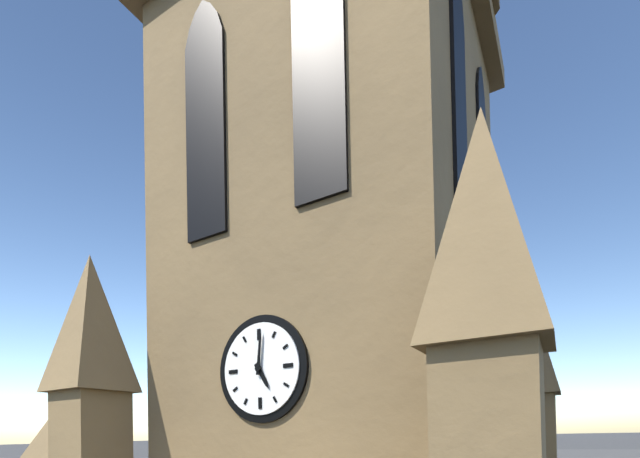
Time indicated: 5:01
